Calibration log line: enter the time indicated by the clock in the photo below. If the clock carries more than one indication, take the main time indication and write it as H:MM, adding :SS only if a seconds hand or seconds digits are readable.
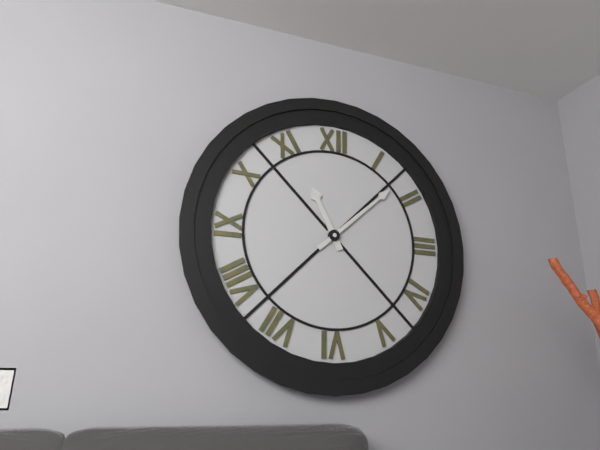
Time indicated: 11:08
